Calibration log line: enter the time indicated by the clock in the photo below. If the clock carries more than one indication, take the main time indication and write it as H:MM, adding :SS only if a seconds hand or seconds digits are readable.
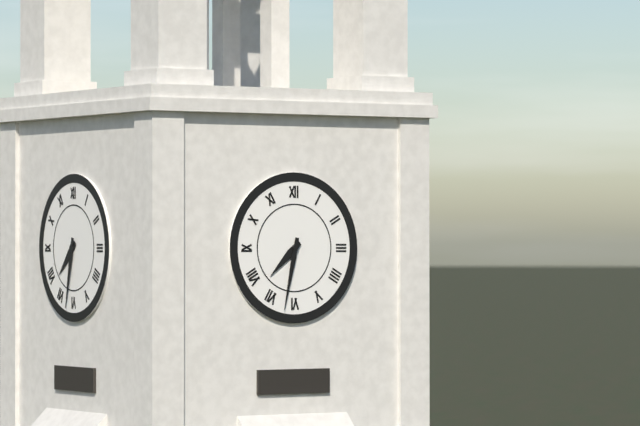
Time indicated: 7:32
